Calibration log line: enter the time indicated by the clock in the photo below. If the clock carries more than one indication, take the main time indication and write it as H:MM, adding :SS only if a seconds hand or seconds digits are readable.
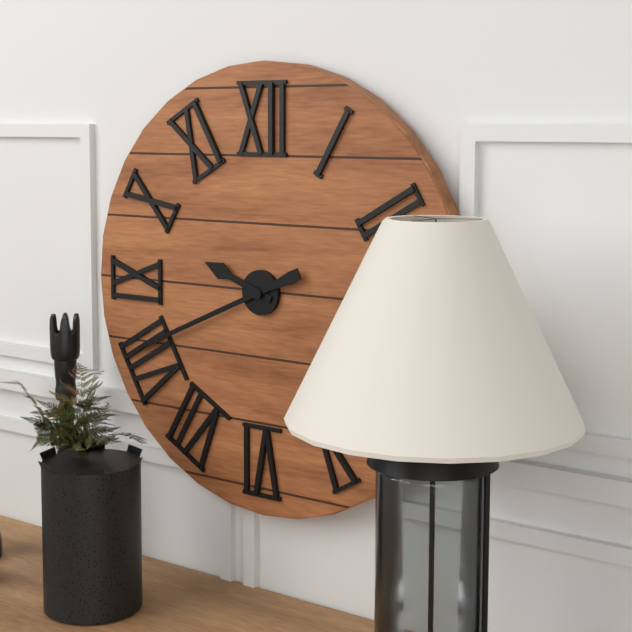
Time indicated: 9:41
